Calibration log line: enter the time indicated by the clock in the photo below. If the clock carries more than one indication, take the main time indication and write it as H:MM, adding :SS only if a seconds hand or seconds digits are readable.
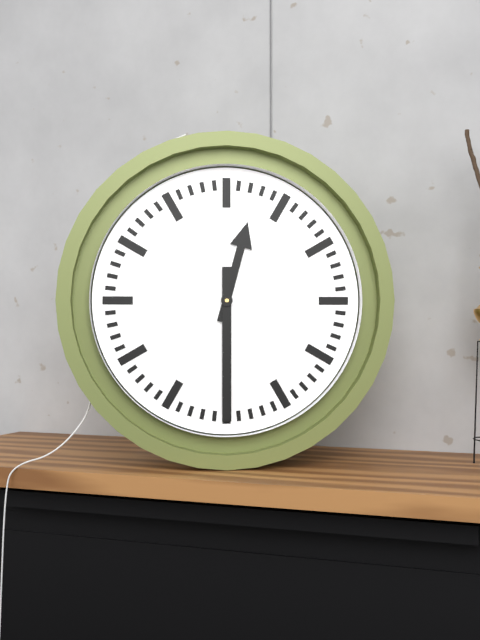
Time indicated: 12:30
